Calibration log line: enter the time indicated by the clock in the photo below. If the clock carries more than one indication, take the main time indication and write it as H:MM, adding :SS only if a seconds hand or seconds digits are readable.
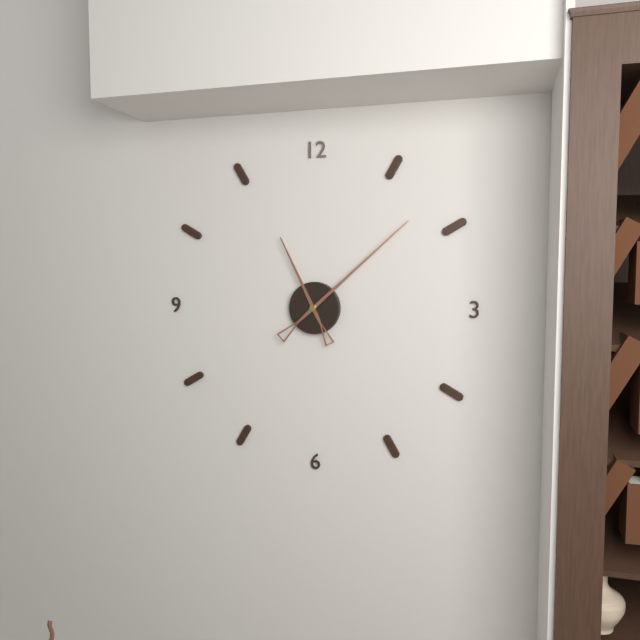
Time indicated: 11:08
